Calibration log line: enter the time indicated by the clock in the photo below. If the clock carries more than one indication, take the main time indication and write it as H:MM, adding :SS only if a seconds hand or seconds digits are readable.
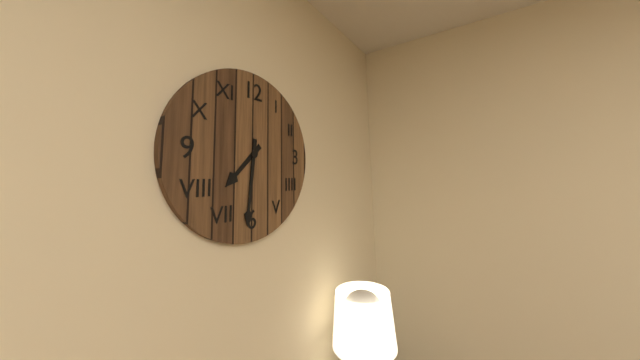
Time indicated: 7:31
